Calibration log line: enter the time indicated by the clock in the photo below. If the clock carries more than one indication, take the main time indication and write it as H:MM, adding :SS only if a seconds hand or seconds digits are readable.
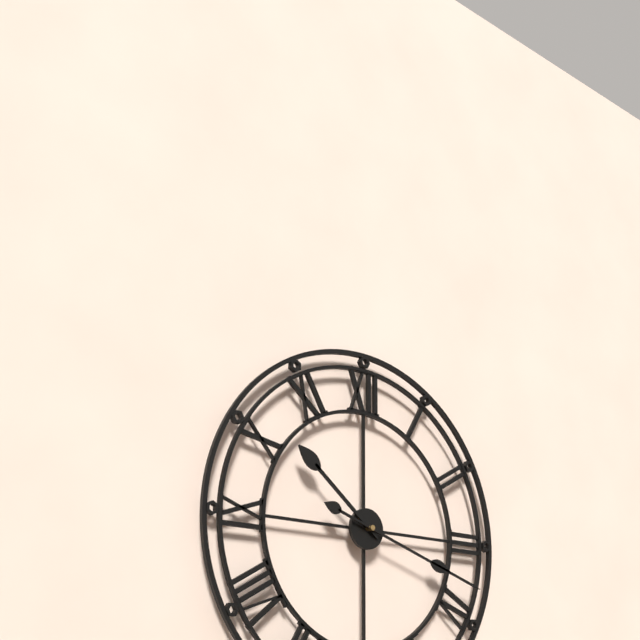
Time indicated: 10:18
